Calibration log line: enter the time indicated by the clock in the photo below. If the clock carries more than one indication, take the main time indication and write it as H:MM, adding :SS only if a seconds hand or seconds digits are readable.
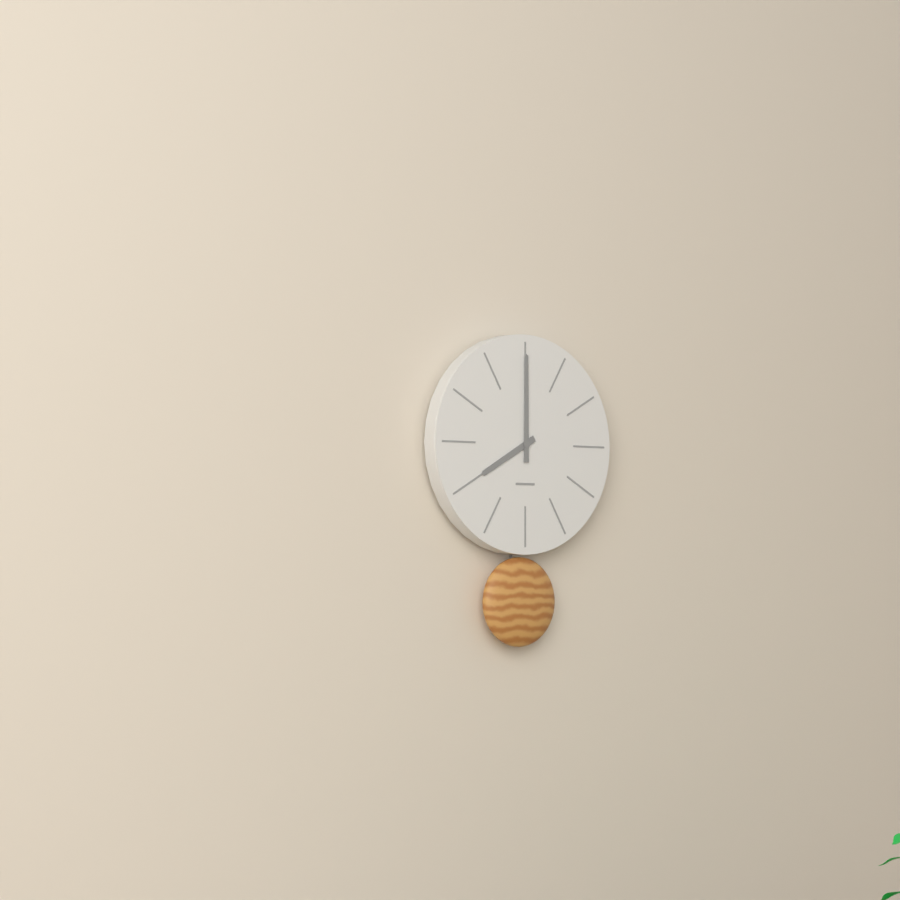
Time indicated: 8:00
